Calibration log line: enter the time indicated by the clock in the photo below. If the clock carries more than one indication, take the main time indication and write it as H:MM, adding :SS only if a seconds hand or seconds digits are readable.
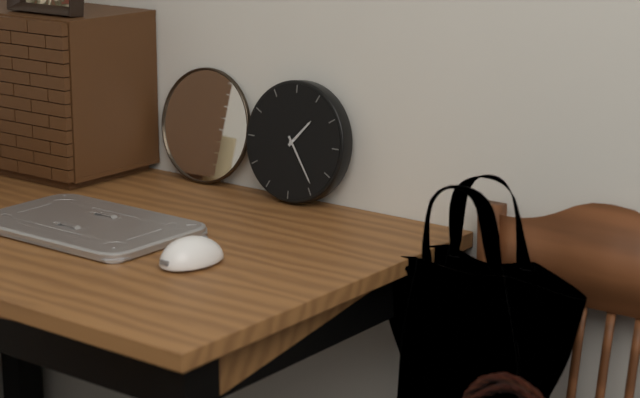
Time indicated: 1:24
